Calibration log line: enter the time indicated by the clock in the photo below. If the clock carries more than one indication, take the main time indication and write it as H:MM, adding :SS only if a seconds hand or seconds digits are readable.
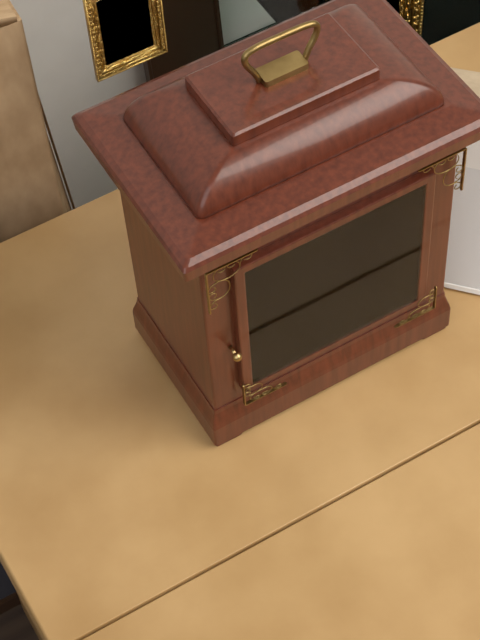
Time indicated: 7:56
